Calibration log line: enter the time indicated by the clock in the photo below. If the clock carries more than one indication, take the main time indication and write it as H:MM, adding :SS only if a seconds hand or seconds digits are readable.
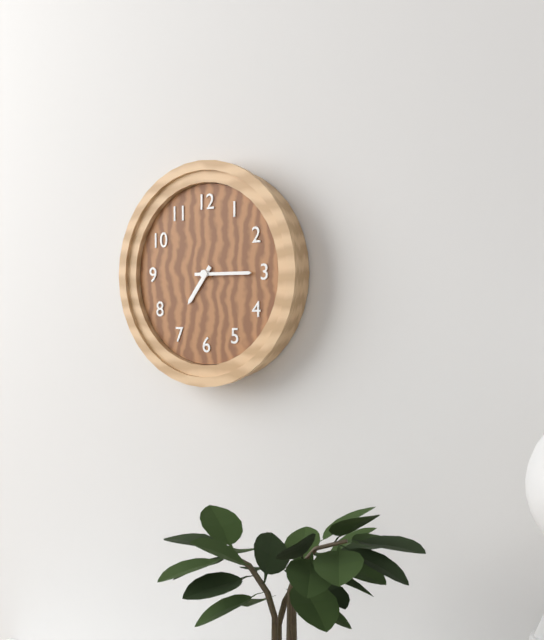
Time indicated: 7:15
